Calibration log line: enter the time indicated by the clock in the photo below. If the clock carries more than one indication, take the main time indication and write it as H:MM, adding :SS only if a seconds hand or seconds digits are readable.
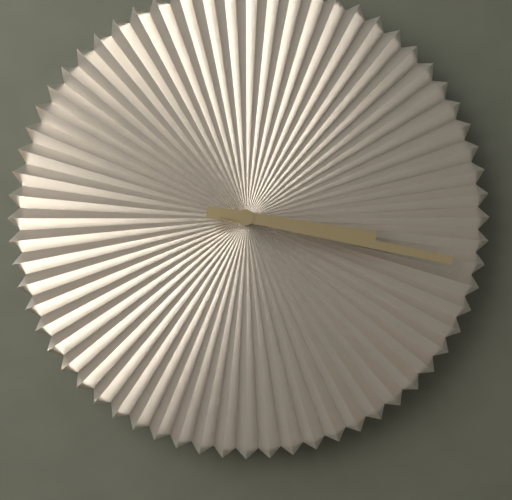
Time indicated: 3:17
